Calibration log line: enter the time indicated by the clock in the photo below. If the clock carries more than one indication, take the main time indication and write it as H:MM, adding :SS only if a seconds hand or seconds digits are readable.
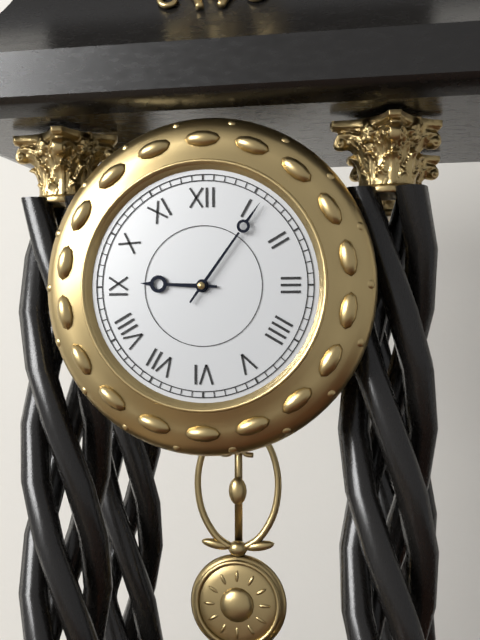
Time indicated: 9:06
